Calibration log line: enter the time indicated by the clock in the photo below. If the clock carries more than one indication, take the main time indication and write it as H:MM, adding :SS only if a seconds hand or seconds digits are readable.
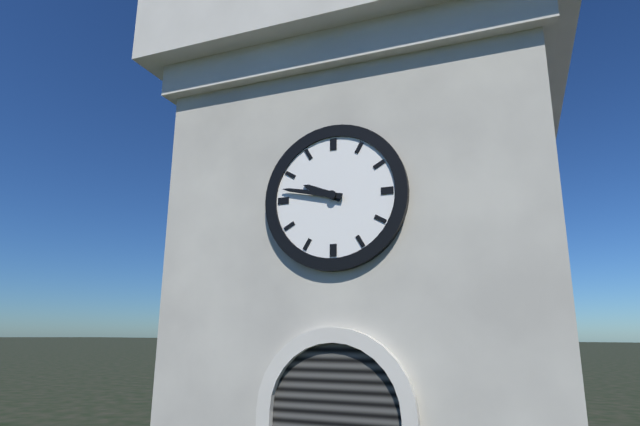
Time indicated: 9:47
